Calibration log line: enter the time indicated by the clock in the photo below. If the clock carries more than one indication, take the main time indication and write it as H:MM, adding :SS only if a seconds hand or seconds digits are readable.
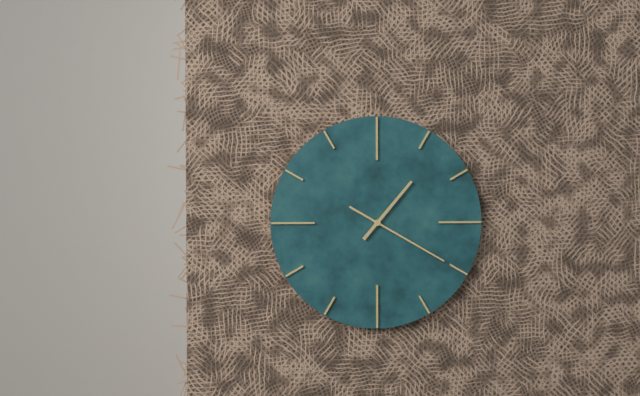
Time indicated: 1:20
